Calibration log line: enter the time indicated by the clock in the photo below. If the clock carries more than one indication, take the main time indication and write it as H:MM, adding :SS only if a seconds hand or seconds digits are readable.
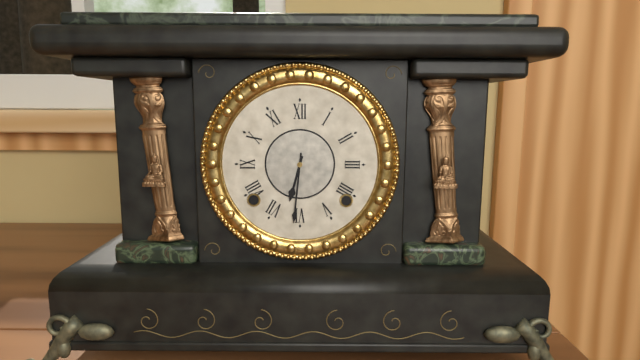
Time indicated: 6:31
